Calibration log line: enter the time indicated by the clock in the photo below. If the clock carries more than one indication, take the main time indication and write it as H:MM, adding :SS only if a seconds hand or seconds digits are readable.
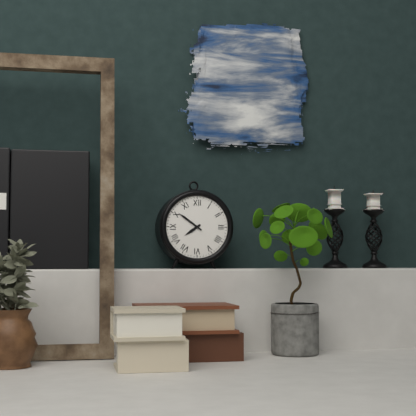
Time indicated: 7:51
